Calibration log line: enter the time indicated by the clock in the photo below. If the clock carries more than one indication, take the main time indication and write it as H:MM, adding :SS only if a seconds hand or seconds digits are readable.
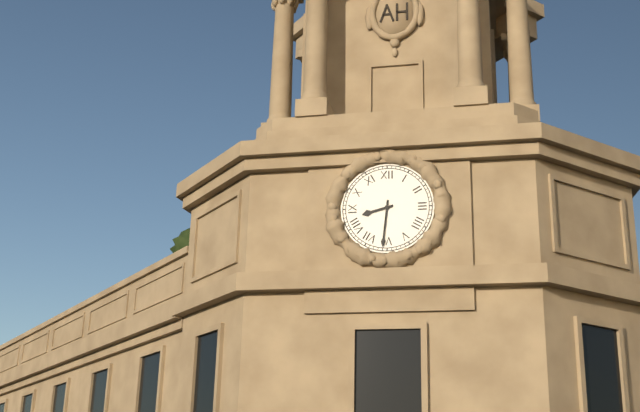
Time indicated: 8:31
